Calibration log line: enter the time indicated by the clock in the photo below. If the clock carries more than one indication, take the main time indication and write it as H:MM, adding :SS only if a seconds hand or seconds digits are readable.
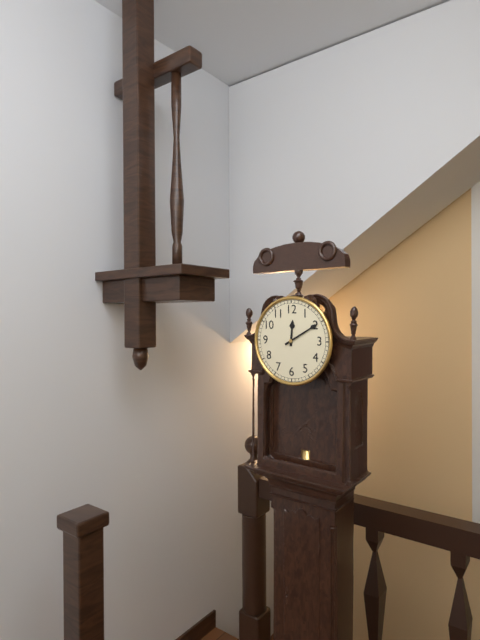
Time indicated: 12:10
